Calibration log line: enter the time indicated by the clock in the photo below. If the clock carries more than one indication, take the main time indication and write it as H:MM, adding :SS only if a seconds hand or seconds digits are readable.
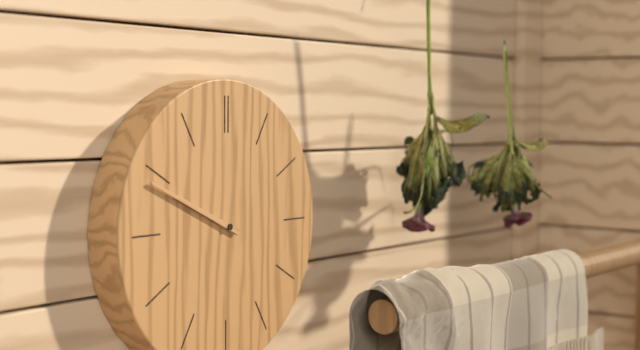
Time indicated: 9:49
